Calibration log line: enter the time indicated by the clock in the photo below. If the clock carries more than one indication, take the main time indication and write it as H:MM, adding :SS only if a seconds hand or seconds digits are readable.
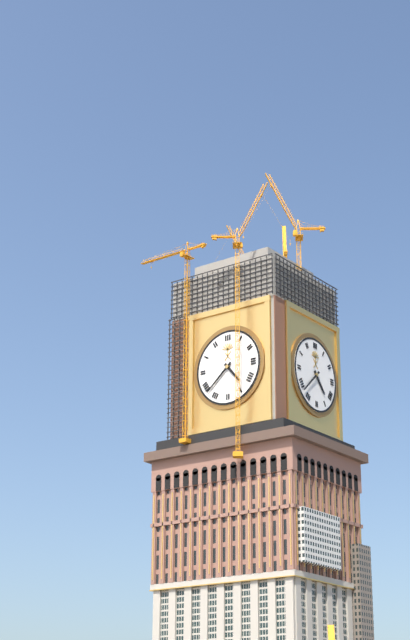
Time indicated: 4:38
